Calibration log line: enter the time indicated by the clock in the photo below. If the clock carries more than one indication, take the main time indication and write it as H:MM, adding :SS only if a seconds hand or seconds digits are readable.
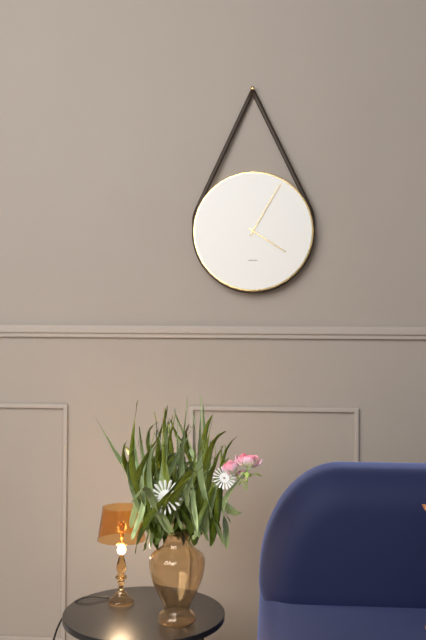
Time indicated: 4:05
